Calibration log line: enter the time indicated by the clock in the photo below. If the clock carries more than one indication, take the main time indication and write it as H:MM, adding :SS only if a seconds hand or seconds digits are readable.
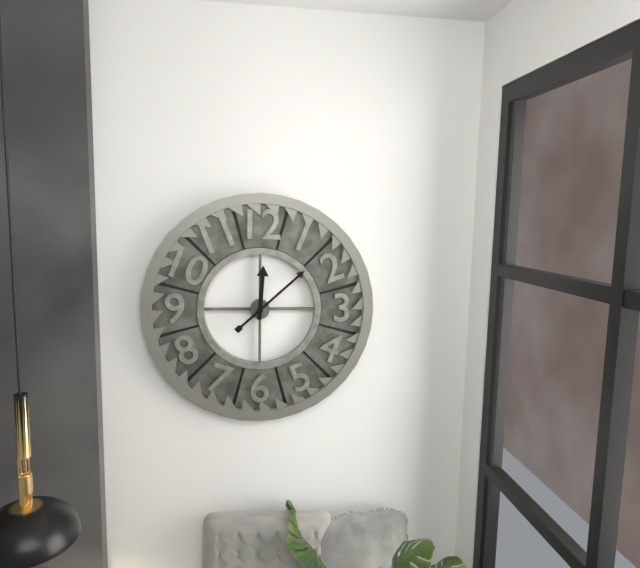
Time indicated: 12:08
